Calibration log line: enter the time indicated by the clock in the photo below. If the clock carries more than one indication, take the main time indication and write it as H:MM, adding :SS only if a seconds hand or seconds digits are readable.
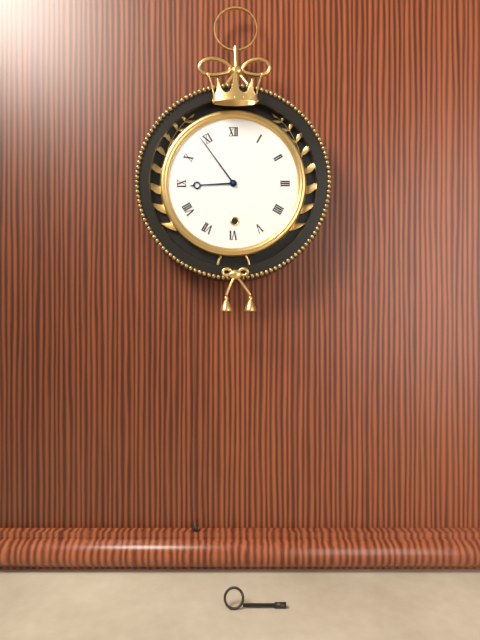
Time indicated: 8:54
